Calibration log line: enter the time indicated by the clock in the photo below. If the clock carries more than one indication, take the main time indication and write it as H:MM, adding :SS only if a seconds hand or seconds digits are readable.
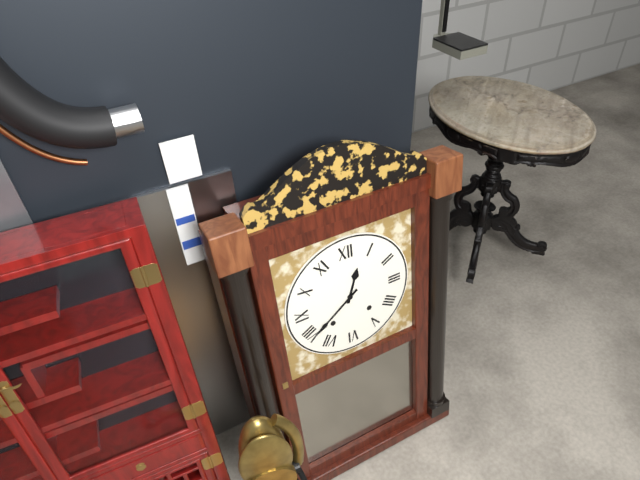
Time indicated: 12:39
